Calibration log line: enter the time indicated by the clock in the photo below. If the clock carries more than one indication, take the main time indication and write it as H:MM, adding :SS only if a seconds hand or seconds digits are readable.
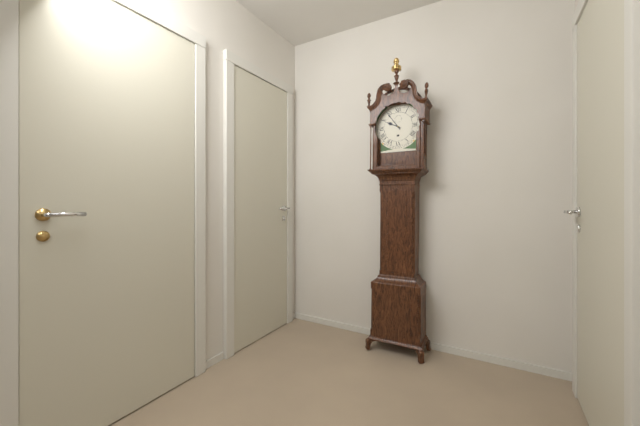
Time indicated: 9:54
